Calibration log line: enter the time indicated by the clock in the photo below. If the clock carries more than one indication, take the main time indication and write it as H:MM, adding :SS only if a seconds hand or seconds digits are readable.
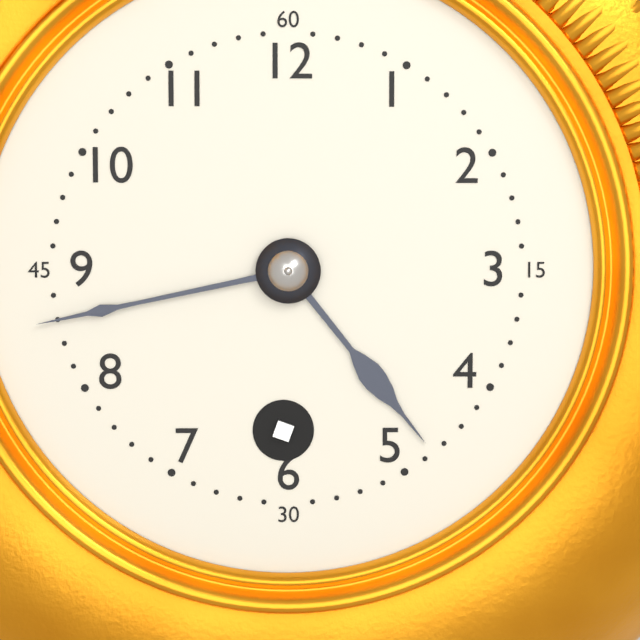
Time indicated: 4:43
